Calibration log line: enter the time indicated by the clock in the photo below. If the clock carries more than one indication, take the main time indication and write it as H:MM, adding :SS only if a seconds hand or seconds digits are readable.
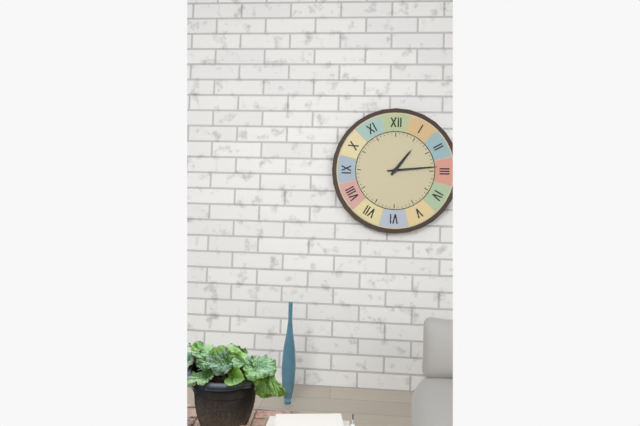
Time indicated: 1:14
